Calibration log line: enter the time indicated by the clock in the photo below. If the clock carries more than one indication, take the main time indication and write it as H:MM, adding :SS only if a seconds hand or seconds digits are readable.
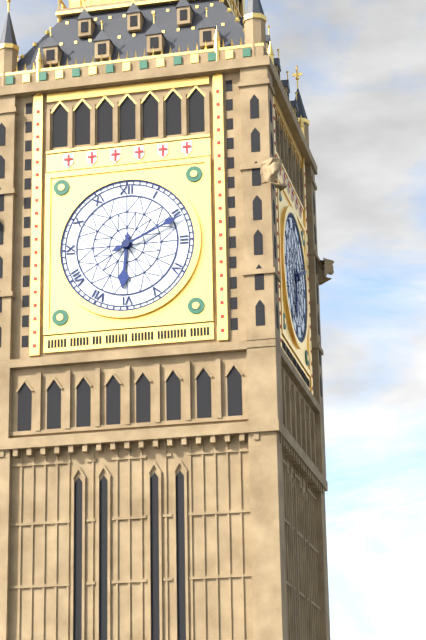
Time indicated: 6:11
